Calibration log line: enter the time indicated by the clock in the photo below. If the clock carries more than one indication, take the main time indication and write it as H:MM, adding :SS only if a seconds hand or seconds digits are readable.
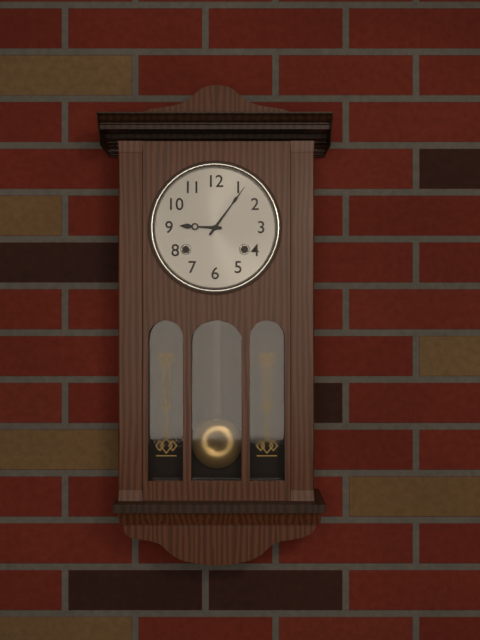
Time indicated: 9:06
